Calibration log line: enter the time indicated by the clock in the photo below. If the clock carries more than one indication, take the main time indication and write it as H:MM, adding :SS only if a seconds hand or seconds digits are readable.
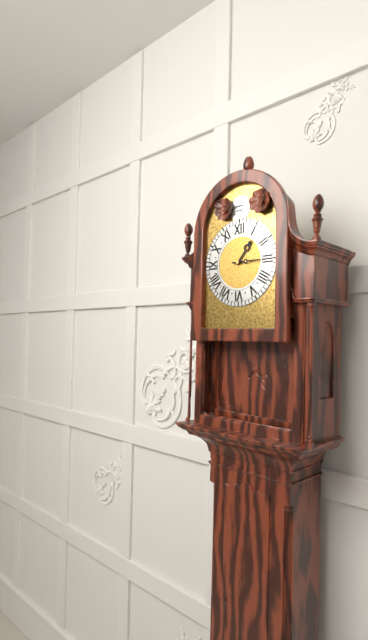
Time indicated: 1:15
